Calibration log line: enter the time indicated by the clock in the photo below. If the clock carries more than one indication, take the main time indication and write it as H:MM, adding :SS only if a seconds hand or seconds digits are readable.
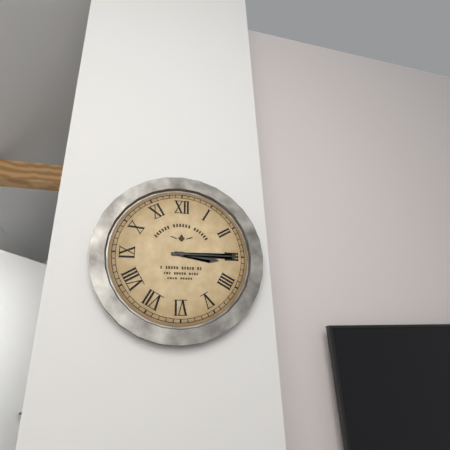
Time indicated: 3:15
